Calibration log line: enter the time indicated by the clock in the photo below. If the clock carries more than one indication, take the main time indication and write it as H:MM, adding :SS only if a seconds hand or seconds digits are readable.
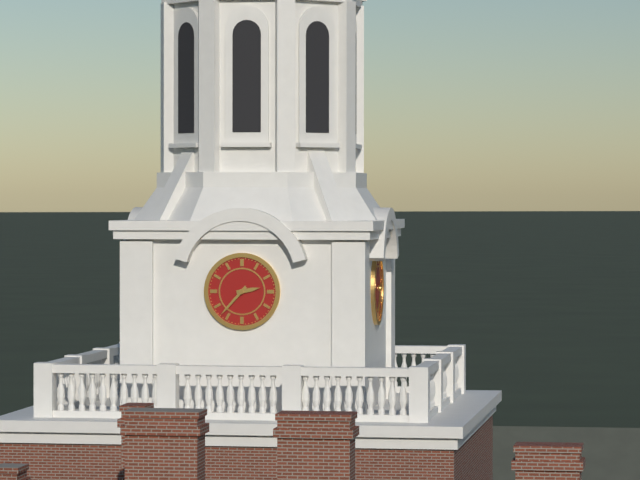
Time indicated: 2:37
